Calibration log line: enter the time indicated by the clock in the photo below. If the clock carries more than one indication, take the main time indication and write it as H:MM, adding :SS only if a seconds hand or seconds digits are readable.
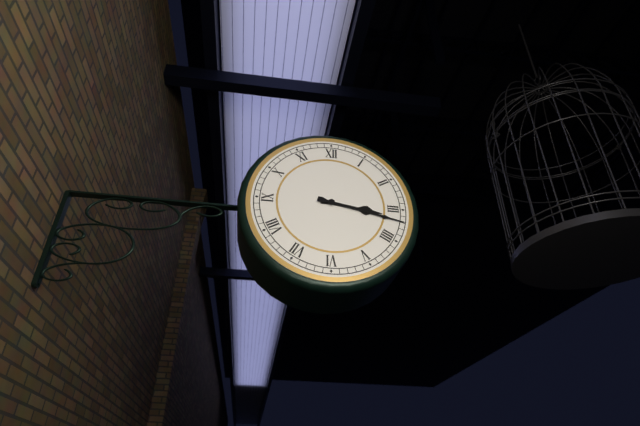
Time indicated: 3:17
